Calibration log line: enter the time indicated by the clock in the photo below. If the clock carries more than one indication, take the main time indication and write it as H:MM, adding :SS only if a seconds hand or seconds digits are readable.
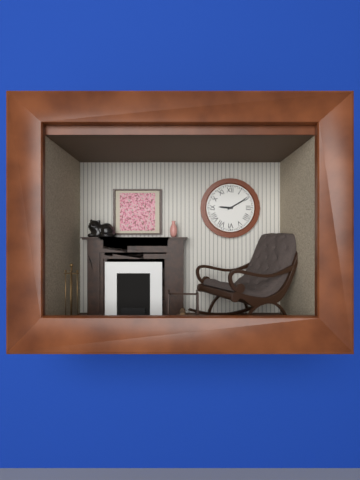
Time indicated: 9:10
